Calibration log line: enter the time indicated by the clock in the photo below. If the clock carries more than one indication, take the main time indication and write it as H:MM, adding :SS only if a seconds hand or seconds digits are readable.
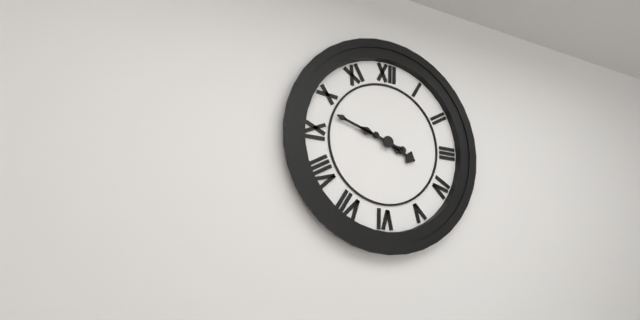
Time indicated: 3:48
